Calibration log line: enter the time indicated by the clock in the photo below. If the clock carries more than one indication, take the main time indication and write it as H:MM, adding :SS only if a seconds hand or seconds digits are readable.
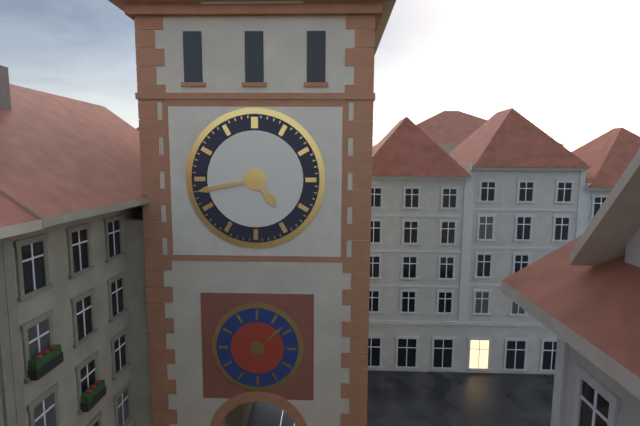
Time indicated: 4:43
